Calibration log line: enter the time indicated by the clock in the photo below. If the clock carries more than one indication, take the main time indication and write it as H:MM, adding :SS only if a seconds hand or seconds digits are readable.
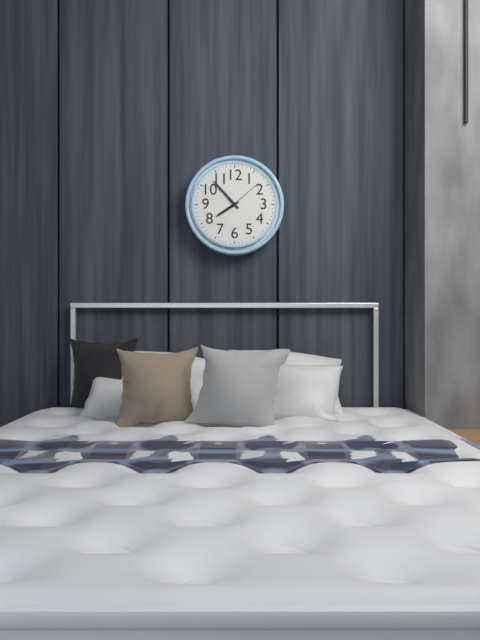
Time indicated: 7:53
